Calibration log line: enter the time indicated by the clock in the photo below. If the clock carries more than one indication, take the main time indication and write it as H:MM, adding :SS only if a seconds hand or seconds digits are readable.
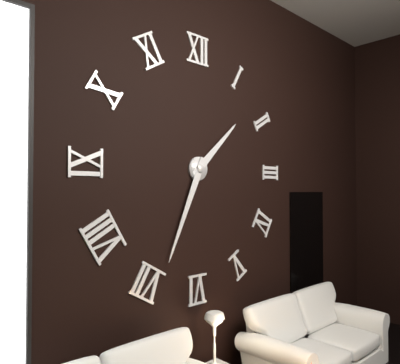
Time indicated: 1:34
